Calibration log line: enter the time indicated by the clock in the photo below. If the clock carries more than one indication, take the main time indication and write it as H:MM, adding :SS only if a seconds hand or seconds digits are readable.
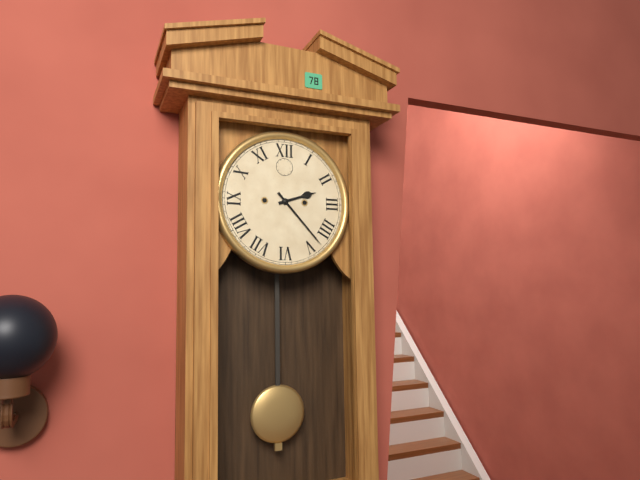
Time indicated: 2:23
